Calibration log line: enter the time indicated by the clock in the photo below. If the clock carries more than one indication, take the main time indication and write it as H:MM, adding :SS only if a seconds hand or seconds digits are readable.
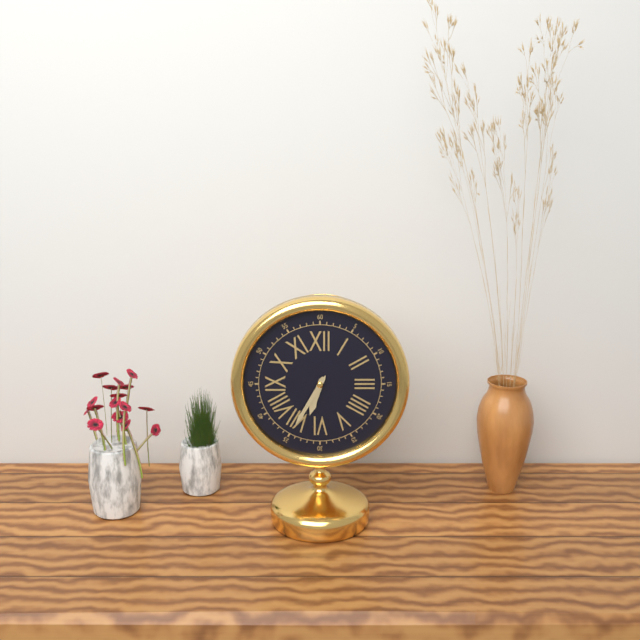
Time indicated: 6:35
